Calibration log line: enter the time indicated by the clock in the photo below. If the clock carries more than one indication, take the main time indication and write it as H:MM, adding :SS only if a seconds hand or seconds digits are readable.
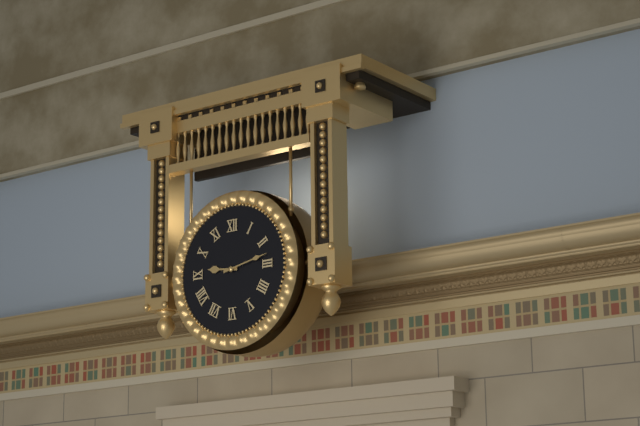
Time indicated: 9:13
